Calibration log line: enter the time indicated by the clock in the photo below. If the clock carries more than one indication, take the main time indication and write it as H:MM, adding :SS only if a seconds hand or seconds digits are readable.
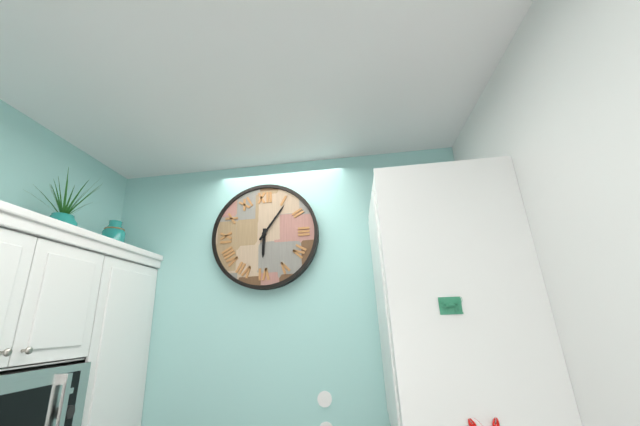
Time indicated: 6:06
